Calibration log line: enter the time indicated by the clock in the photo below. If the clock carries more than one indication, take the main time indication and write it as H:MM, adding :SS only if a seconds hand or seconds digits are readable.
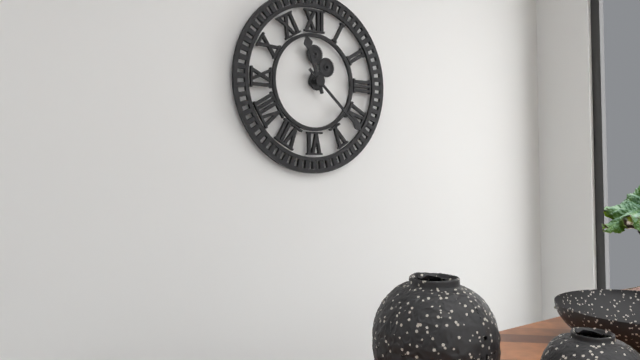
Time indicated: 11:22
